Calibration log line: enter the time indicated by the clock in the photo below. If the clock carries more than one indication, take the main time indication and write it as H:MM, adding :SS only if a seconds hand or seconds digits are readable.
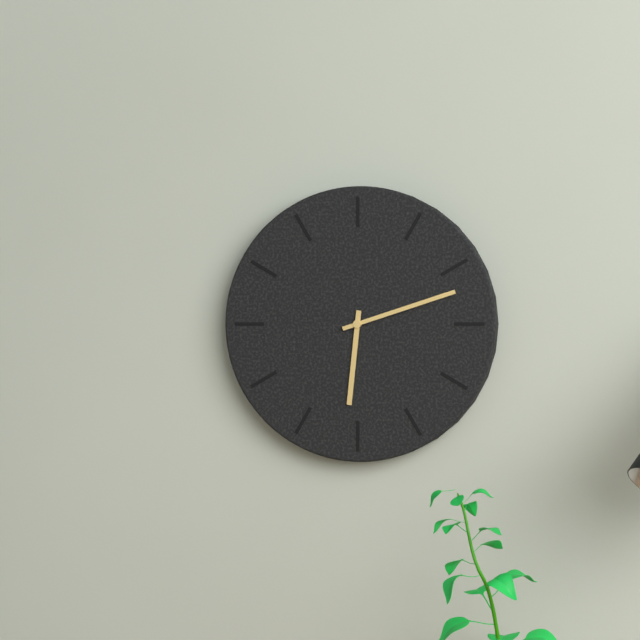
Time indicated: 6:12
